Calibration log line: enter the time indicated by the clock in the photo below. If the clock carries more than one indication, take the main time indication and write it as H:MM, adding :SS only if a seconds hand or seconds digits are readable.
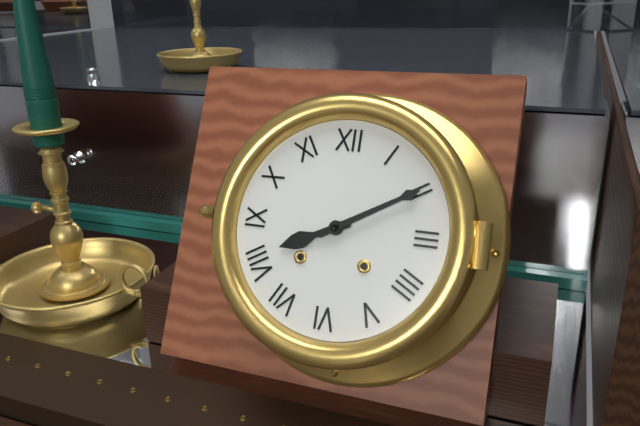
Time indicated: 8:10
